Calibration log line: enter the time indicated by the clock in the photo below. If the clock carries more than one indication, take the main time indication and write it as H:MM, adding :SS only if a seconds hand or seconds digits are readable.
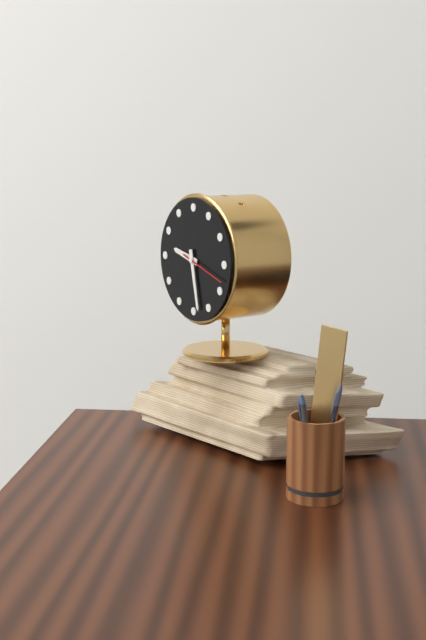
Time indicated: 9:28
